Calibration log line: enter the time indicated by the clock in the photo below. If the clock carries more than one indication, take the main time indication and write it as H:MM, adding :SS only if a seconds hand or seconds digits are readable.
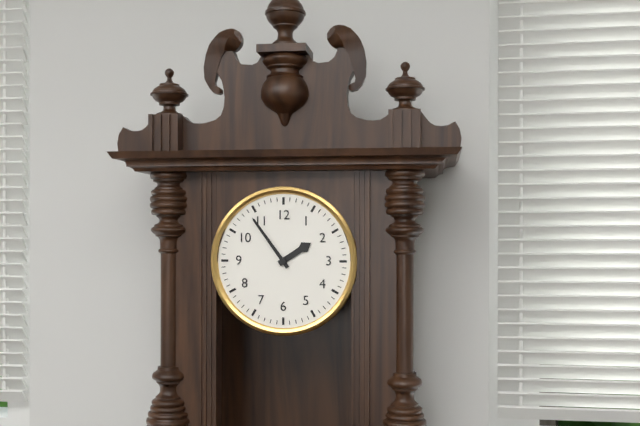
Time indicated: 1:54
